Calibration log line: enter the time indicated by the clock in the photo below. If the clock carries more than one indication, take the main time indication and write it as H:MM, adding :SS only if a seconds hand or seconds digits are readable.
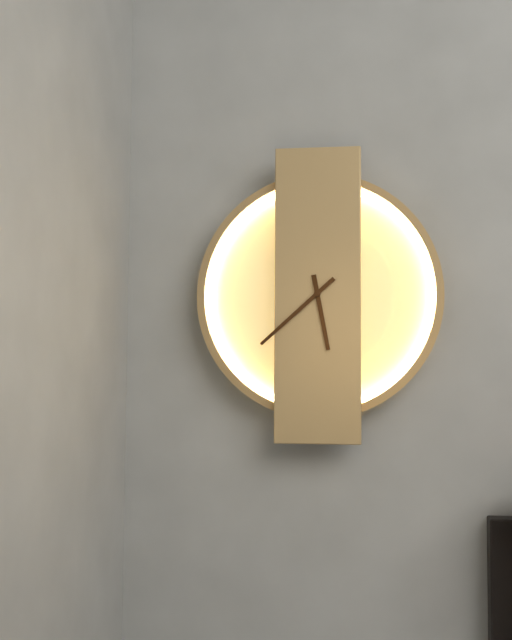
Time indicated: 5:38
